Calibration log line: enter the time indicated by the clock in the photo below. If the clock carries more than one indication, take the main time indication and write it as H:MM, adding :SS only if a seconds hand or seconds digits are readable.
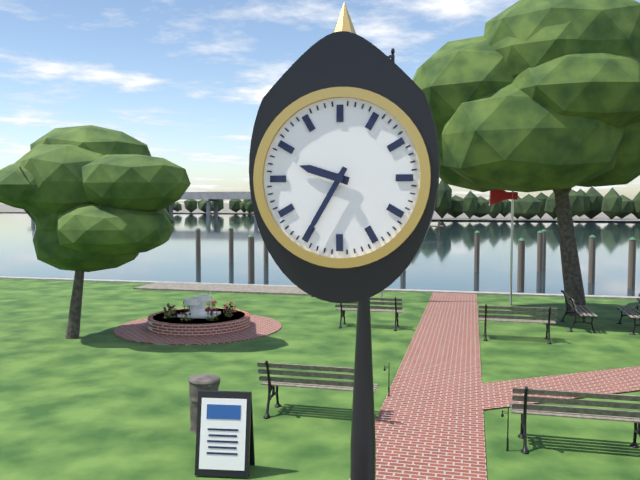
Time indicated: 9:35
